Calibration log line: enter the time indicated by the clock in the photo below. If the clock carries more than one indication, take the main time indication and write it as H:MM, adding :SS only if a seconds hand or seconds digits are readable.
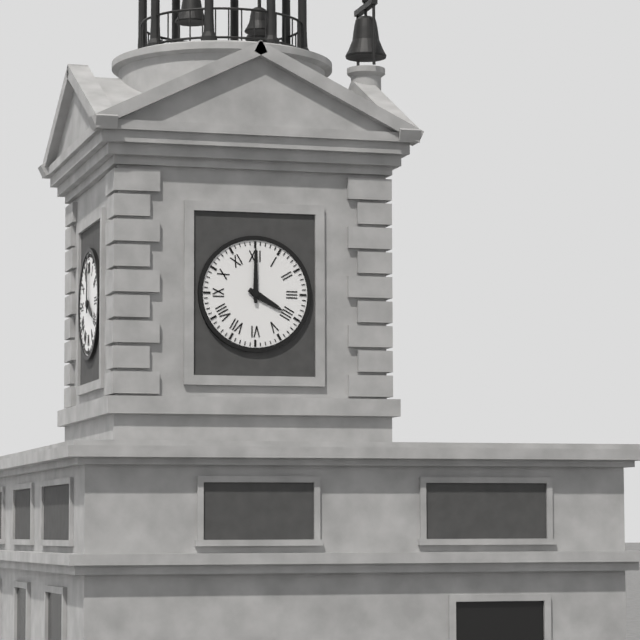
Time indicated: 4:00
